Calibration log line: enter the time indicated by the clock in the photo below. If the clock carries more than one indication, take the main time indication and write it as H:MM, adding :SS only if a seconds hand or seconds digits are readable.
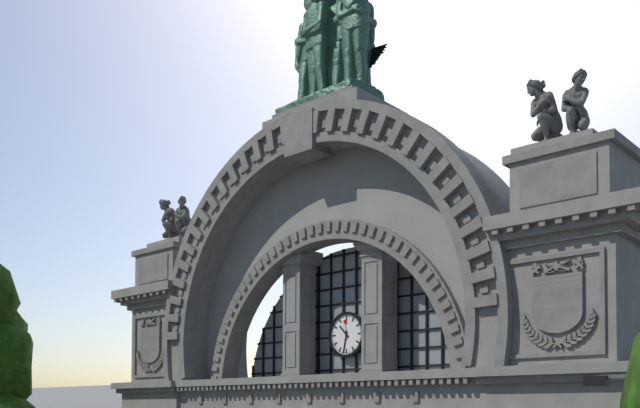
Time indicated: 10:32
